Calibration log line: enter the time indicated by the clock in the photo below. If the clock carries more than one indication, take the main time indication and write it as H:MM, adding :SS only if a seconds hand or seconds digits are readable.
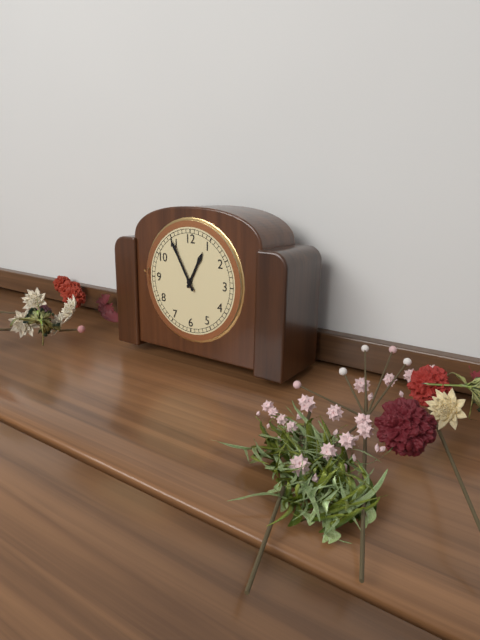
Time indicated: 12:55
